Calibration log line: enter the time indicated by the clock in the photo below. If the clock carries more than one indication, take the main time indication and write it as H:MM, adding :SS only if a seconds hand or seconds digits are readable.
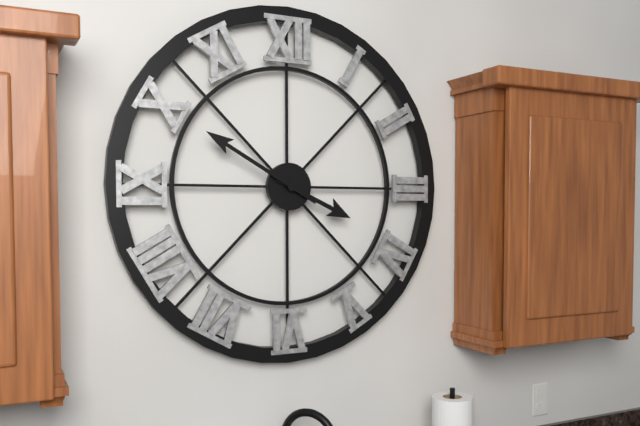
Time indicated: 3:50
